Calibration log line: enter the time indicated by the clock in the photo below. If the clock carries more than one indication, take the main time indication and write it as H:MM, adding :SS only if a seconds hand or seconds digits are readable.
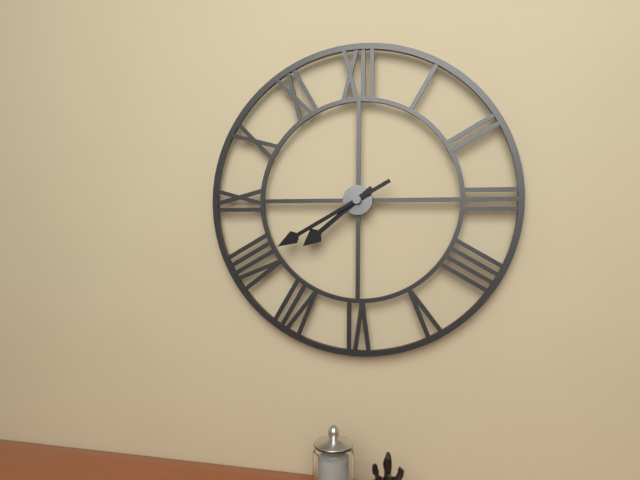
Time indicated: 7:40
